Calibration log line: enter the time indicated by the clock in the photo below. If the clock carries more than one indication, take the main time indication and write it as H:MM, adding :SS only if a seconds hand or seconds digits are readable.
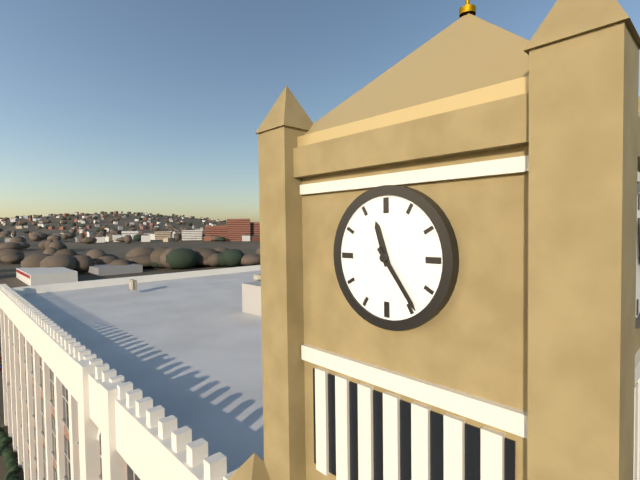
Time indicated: 11:24
